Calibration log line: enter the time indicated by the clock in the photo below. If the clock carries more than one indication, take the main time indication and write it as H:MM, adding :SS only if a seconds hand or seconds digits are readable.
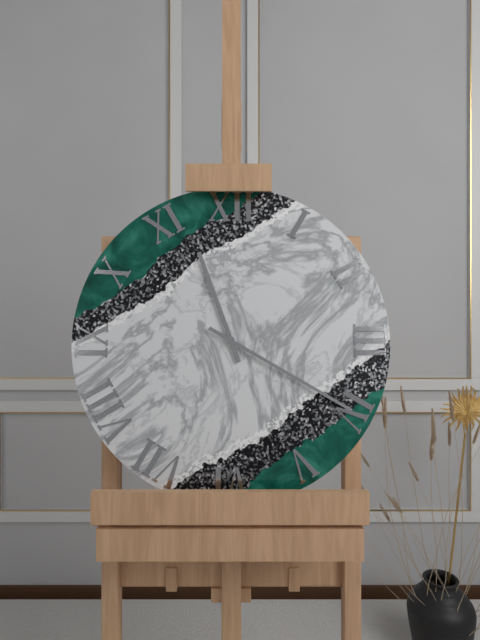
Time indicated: 11:20
